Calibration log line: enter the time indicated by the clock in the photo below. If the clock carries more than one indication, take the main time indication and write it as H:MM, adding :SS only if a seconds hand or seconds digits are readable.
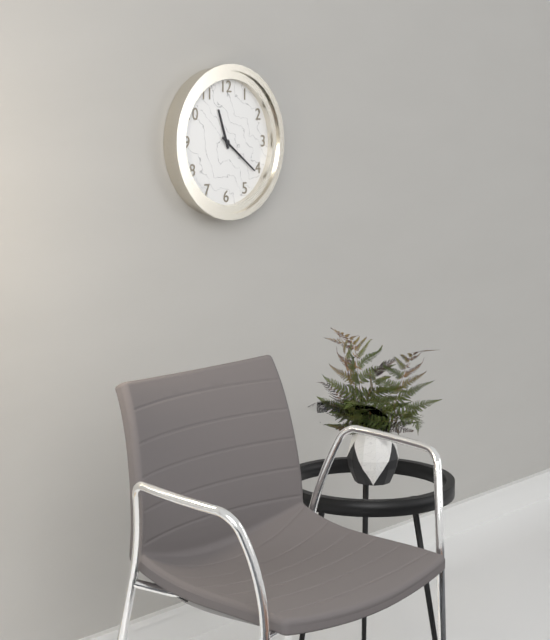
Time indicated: 11:21
